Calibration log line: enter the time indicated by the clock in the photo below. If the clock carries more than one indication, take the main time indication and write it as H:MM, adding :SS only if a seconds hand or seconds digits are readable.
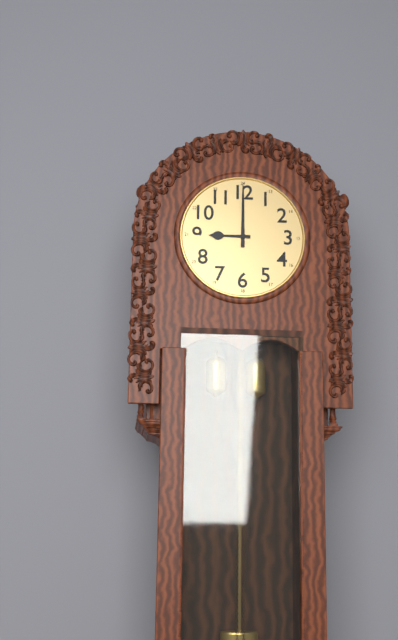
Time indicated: 9:00
